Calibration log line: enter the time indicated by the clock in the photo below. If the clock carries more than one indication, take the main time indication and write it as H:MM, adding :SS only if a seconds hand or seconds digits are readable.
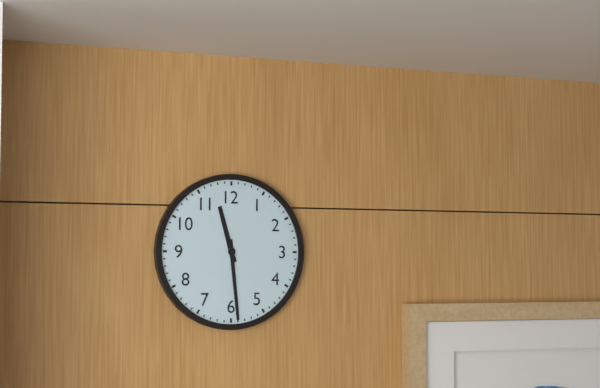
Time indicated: 11:29
